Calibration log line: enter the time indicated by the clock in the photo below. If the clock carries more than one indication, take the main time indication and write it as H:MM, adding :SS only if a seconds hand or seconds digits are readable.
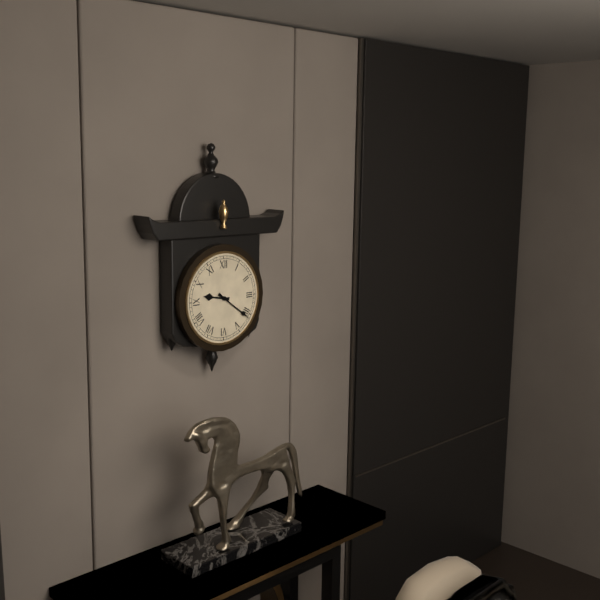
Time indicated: 9:21
